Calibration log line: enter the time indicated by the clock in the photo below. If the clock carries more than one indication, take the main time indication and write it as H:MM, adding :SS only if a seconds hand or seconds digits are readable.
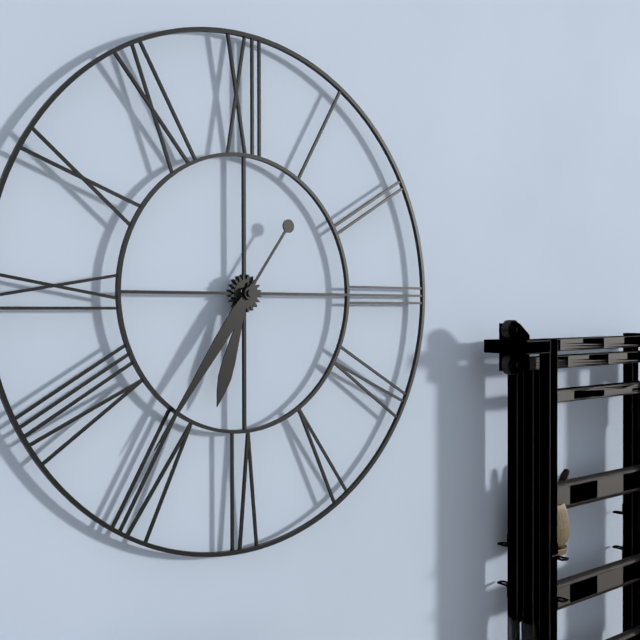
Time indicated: 6:36
